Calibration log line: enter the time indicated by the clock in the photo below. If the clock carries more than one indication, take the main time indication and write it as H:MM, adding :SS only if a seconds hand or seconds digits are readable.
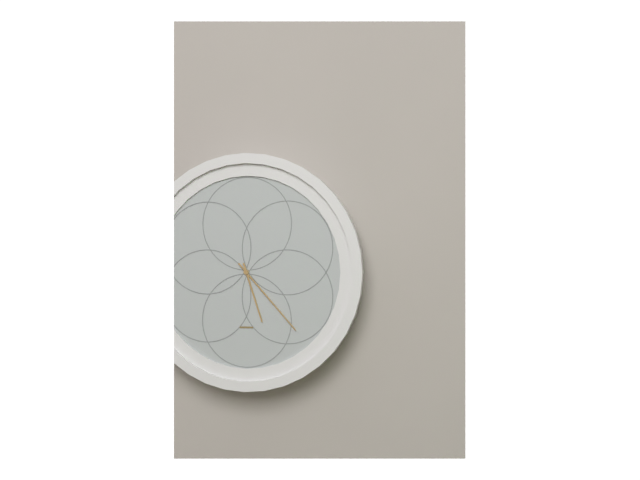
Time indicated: 5:23
